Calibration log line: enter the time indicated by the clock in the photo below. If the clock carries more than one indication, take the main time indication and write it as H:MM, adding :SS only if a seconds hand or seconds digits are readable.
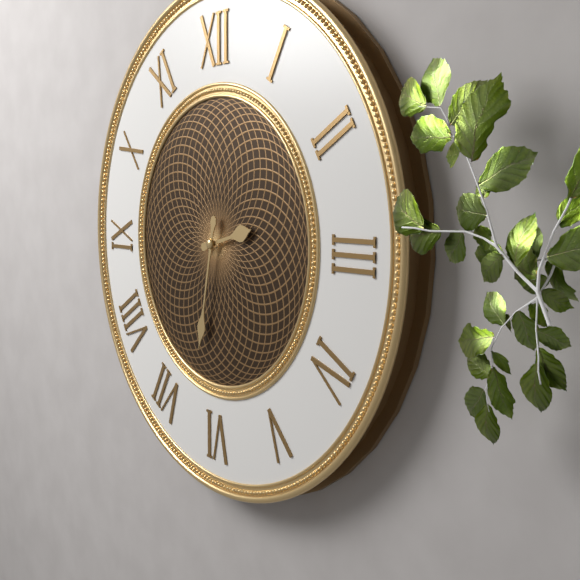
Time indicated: 2:32
